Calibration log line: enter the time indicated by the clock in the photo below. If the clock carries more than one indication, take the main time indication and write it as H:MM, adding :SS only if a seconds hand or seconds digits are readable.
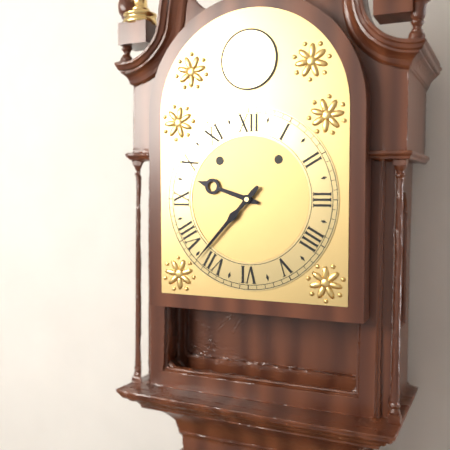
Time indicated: 9:37
